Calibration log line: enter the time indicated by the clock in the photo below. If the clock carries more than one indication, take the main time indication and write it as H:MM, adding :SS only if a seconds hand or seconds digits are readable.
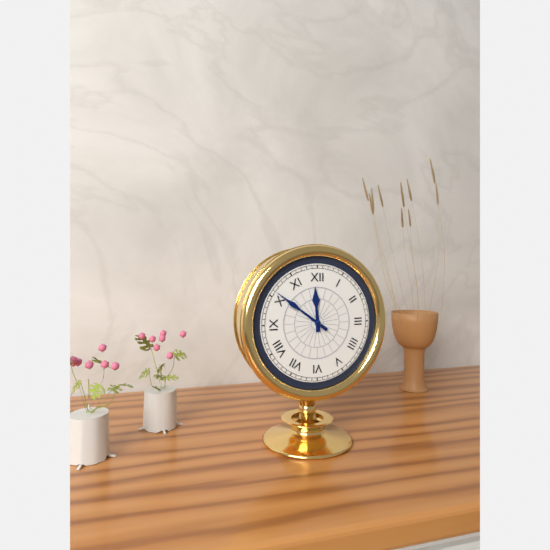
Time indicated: 11:51
